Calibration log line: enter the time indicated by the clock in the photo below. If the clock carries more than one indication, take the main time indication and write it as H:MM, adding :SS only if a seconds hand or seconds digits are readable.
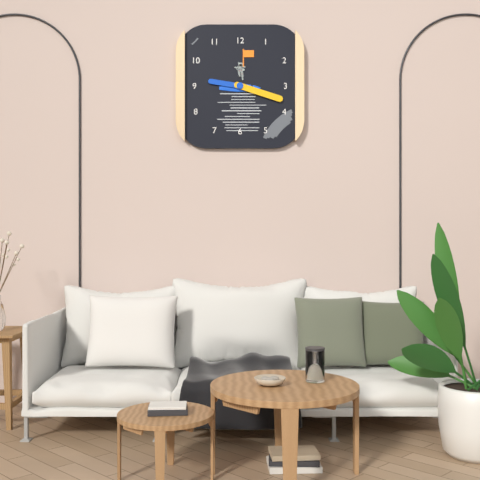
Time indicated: 9:18
